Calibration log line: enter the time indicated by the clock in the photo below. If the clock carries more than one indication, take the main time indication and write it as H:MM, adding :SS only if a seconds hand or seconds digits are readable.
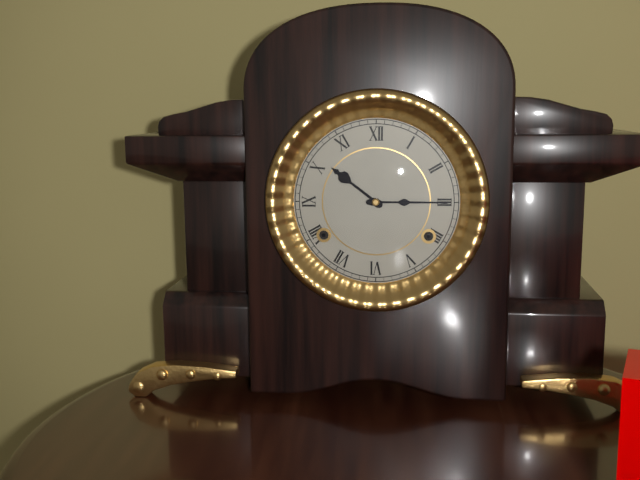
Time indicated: 10:15
